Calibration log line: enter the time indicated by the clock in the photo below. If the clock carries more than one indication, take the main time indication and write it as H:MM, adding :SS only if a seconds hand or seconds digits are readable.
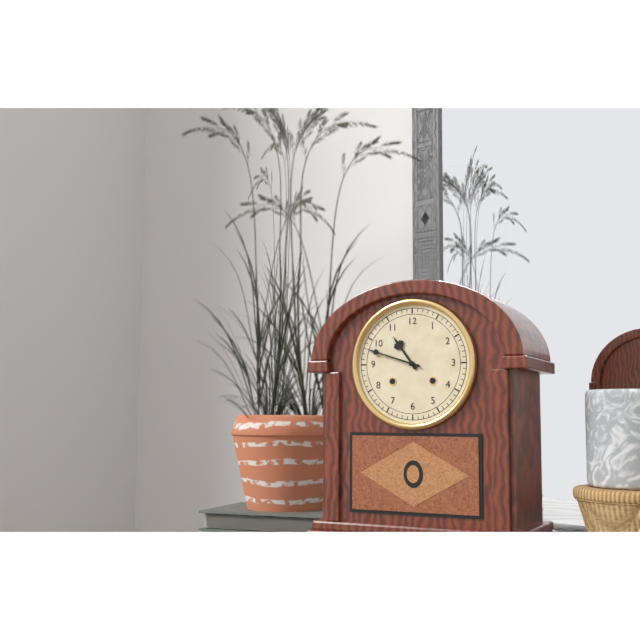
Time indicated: 10:48
